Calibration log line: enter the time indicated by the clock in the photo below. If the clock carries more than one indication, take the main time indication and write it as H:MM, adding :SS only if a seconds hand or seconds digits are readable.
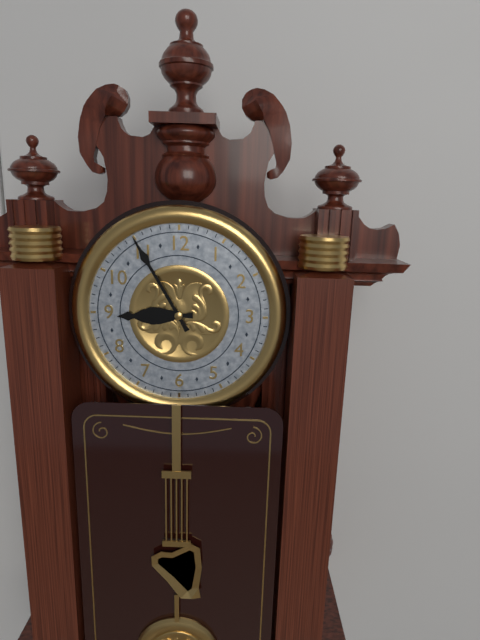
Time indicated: 8:55
